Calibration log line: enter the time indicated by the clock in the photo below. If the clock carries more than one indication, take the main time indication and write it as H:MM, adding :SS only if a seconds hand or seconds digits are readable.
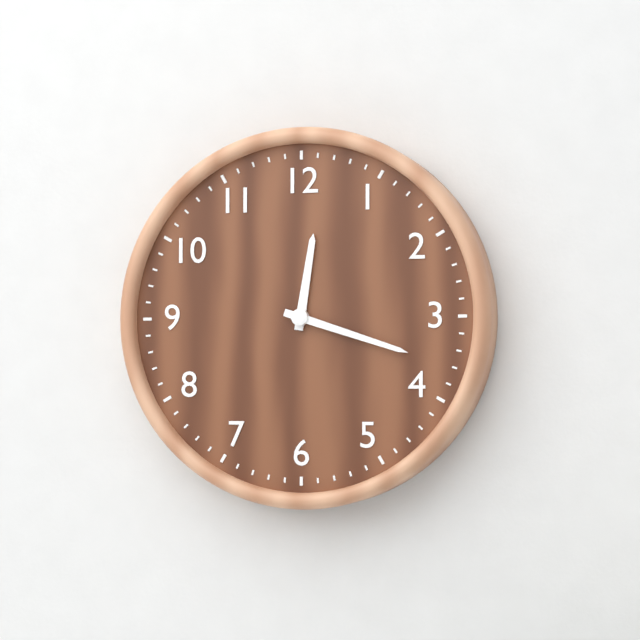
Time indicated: 12:18
